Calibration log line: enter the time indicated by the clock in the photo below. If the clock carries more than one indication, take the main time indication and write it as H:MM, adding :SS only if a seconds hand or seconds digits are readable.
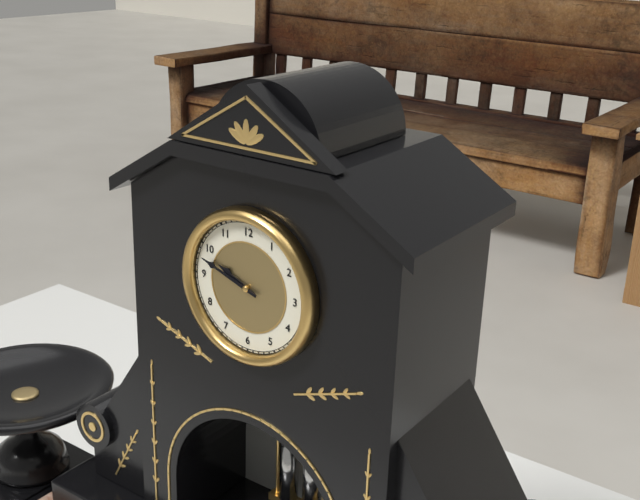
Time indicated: 9:48
